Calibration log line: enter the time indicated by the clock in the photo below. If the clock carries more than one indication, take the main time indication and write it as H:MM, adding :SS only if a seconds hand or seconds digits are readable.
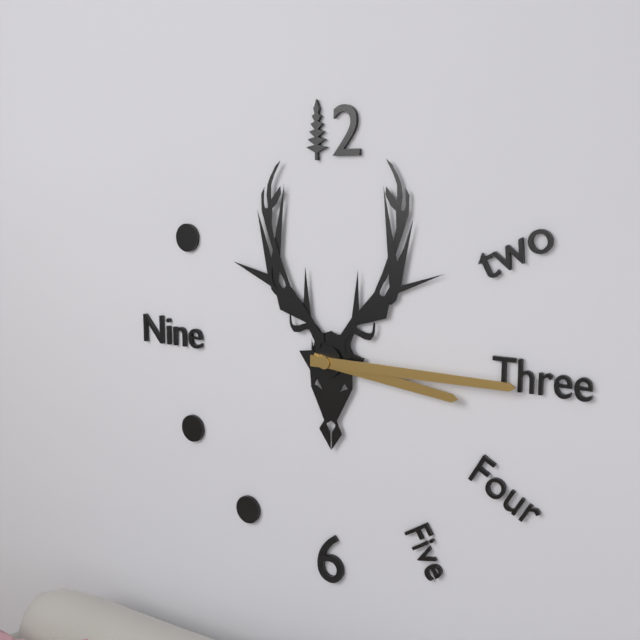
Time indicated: 3:15
